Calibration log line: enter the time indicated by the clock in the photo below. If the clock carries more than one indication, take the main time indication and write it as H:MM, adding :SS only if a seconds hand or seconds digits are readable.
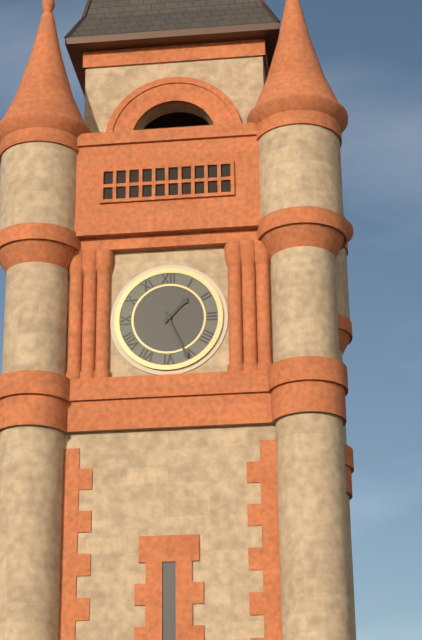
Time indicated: 1:26
